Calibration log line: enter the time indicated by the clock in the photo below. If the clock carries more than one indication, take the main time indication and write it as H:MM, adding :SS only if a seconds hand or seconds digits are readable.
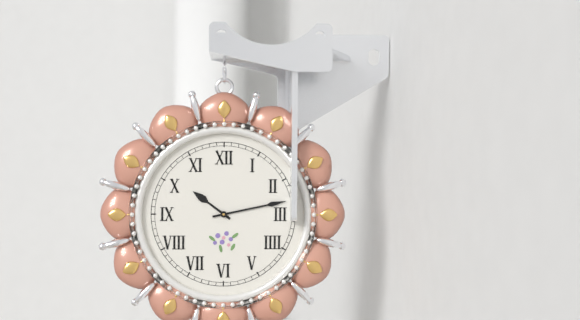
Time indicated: 10:13
